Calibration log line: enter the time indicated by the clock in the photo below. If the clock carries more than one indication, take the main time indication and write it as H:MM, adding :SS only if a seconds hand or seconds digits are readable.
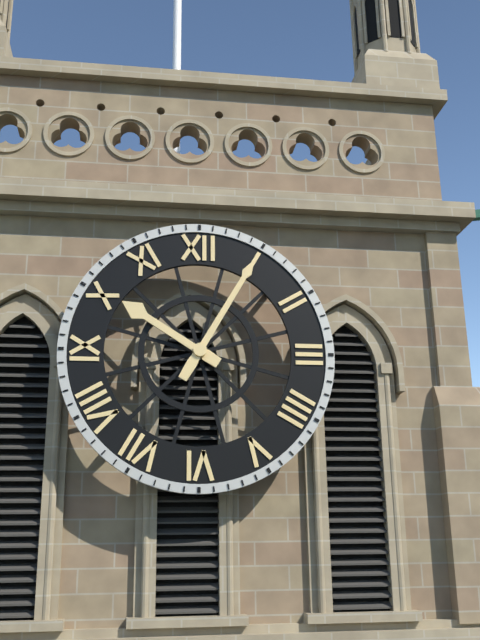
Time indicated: 10:05
